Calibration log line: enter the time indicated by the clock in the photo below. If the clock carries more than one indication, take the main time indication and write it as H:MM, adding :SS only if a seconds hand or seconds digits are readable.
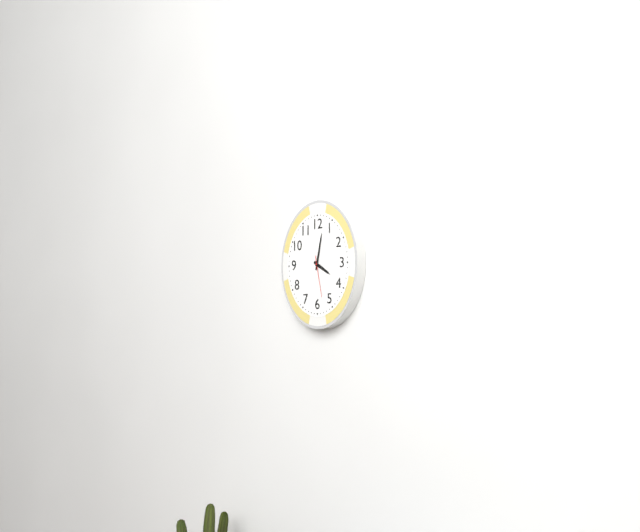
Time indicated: 4:02
